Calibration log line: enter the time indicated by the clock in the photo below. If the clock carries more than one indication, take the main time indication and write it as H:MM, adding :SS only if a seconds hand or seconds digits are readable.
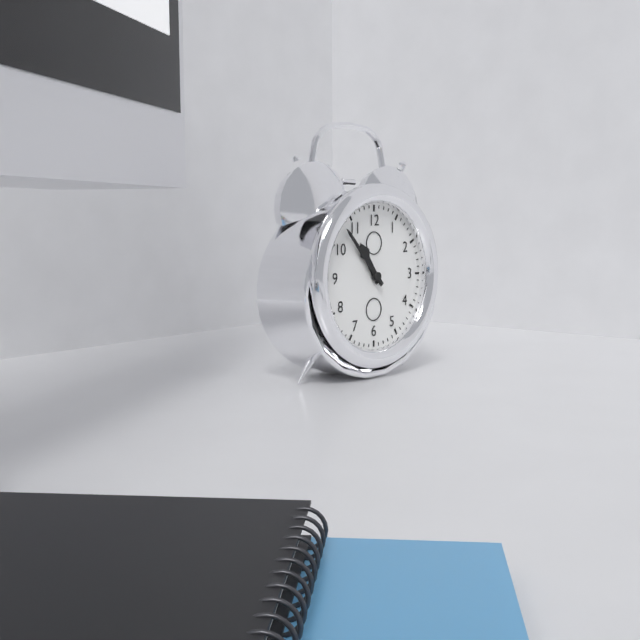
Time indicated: 10:53
